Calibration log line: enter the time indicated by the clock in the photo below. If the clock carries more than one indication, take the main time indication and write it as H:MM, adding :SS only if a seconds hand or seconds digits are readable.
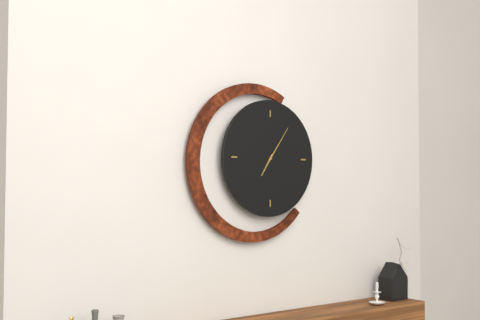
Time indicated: 7:06
